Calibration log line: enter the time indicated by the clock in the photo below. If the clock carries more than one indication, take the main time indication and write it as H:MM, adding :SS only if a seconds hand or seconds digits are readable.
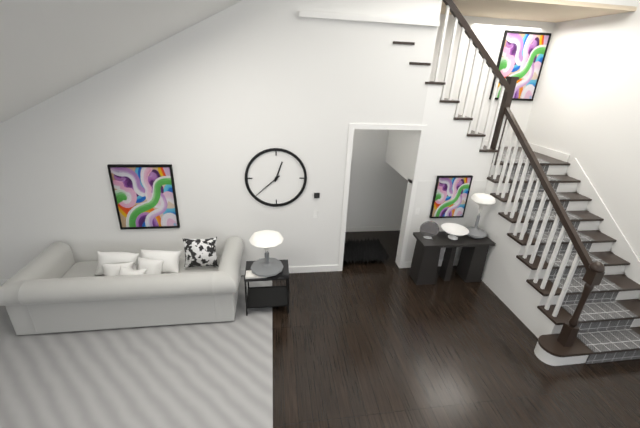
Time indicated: 12:38
